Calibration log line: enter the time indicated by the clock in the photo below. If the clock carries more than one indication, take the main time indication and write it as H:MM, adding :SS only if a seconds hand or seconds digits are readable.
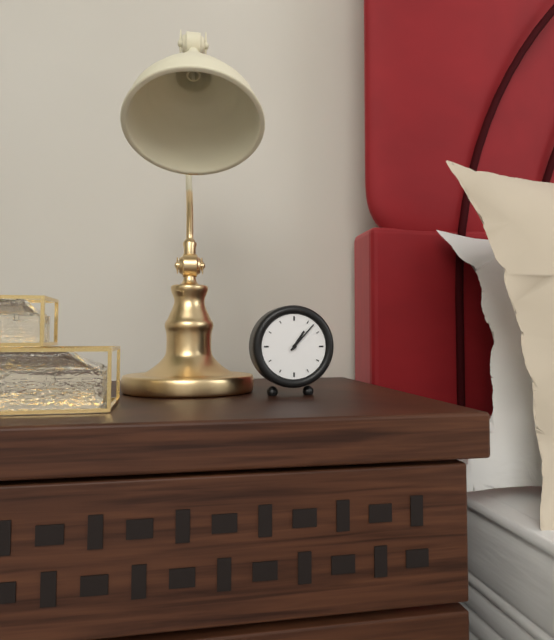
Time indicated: 1:07
